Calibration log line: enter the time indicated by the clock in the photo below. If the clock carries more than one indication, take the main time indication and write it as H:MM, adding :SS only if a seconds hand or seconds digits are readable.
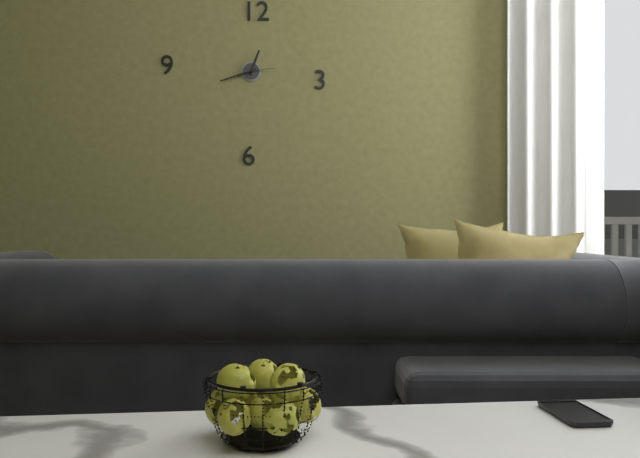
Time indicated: 12:42
